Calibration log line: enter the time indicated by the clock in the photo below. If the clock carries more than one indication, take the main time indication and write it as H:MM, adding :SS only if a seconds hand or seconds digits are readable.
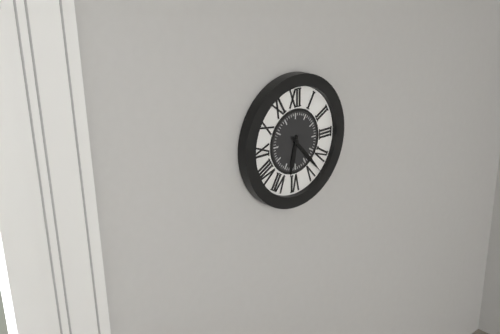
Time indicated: 6:23
